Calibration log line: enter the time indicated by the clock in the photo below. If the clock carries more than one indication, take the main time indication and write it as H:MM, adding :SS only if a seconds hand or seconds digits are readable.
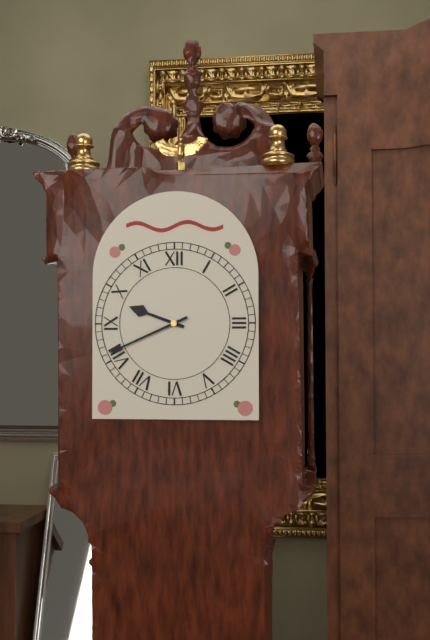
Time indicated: 9:41
